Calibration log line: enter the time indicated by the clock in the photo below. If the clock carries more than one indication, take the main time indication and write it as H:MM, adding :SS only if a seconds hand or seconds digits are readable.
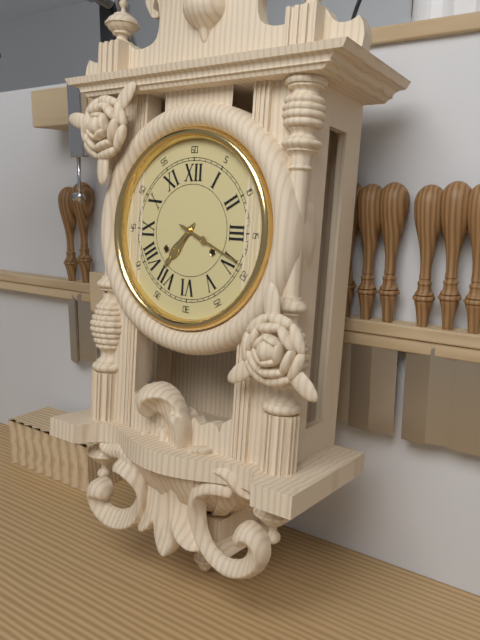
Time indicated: 7:19
